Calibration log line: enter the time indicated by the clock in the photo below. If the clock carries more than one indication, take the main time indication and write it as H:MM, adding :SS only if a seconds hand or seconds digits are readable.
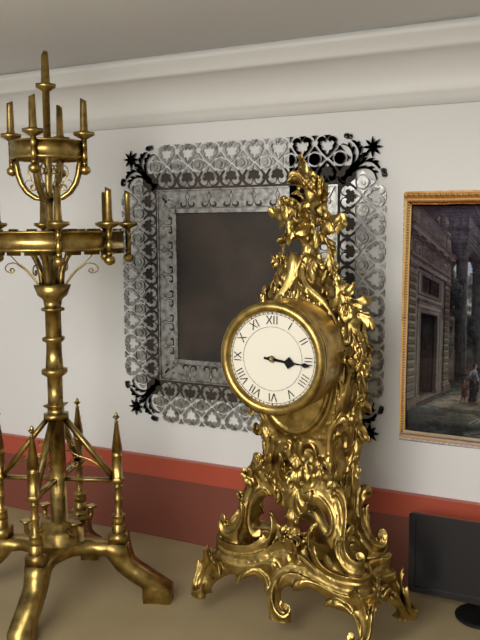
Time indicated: 3:16
